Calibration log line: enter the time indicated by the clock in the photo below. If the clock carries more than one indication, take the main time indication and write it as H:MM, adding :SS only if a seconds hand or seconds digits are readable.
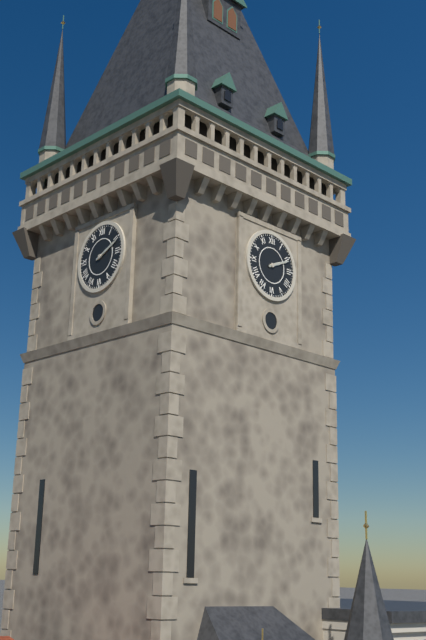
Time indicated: 2:11
